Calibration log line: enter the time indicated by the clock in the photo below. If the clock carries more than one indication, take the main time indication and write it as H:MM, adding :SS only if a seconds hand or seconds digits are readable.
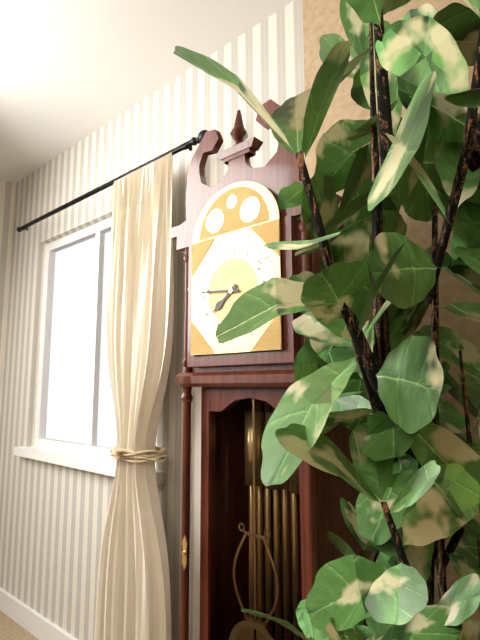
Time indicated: 7:46
